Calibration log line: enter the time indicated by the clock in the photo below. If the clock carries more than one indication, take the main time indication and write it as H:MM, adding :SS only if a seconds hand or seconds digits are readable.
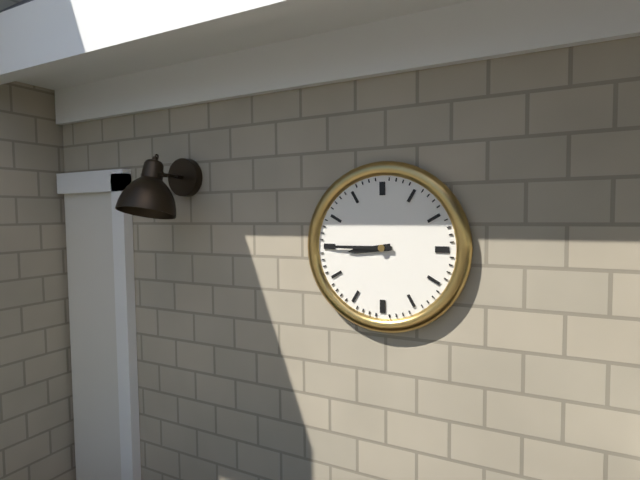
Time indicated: 8:45
